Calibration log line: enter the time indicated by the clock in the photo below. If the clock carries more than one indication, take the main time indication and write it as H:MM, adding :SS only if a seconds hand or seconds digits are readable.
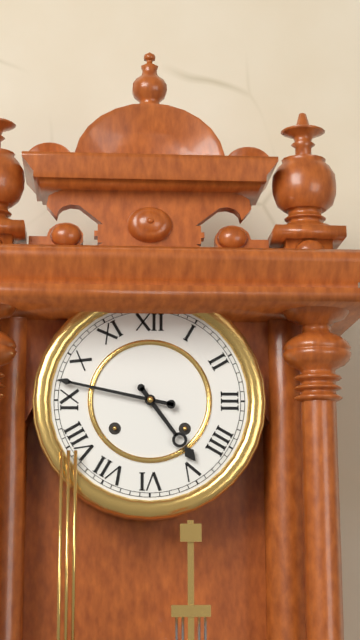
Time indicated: 4:47
